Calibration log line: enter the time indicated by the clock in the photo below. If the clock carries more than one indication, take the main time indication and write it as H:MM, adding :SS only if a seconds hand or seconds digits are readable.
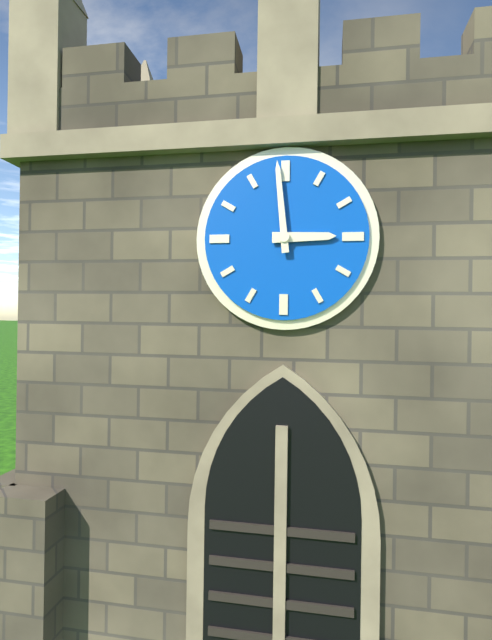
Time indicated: 2:59
